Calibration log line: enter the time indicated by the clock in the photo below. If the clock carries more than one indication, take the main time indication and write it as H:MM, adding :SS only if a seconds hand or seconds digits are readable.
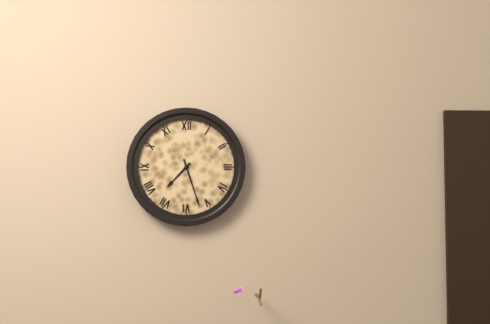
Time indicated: 7:27
